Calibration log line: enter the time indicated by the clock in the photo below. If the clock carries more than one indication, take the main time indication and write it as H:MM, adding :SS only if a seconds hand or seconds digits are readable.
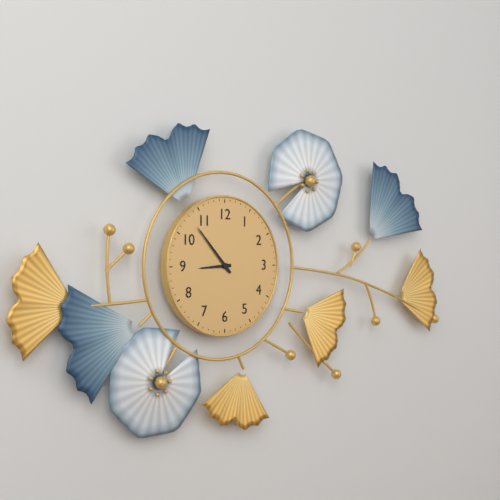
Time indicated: 8:53
